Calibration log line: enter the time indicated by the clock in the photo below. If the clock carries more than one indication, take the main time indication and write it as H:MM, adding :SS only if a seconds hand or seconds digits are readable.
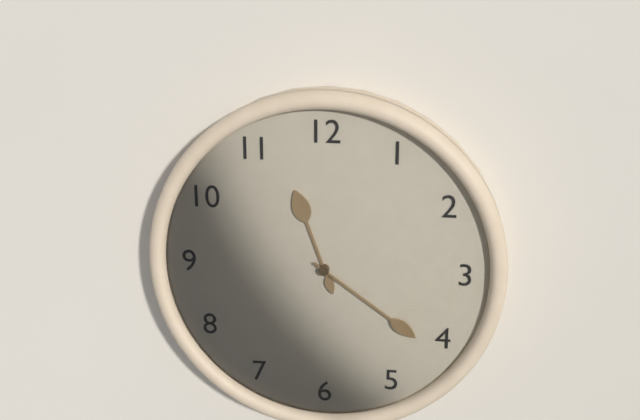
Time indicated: 11:21
